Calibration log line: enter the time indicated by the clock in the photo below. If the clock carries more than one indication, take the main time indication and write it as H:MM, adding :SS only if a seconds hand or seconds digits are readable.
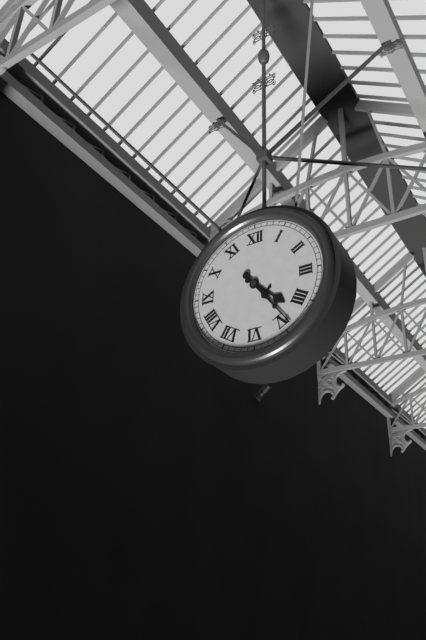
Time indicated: 4:24
